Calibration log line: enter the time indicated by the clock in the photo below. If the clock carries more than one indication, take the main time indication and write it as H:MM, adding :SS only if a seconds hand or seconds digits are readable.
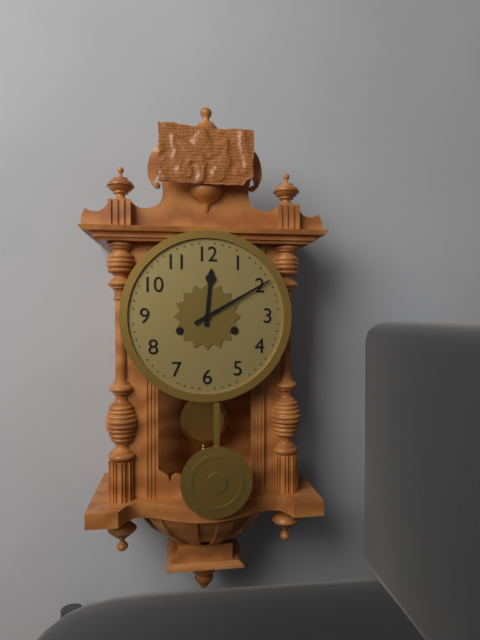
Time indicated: 12:10
